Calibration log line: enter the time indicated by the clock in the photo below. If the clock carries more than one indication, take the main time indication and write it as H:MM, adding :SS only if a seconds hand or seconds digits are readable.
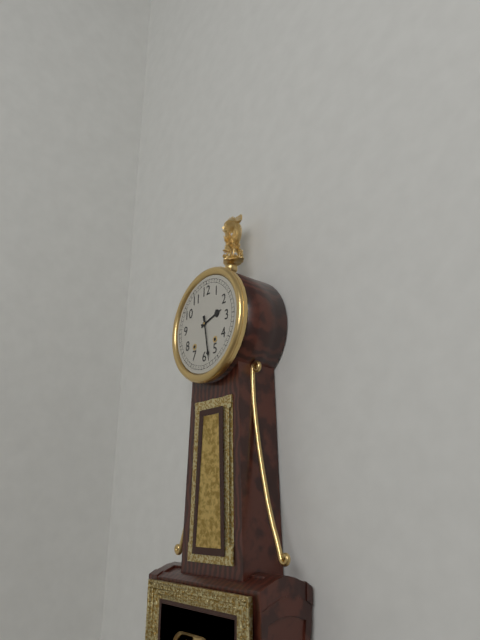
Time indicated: 2:28
